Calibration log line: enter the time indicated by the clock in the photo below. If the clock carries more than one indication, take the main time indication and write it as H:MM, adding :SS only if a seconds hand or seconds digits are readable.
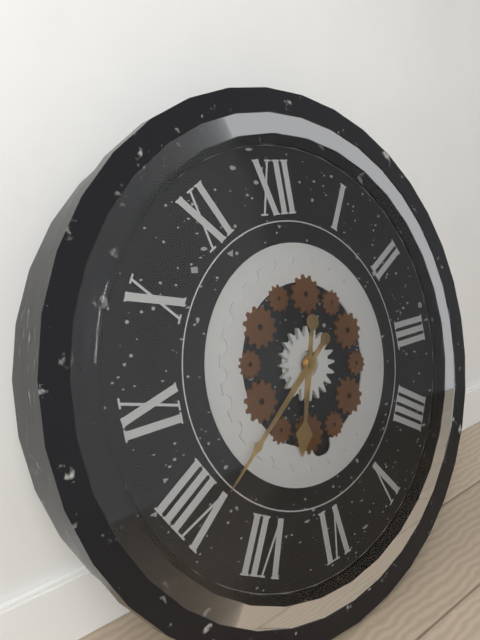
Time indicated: 6:39
